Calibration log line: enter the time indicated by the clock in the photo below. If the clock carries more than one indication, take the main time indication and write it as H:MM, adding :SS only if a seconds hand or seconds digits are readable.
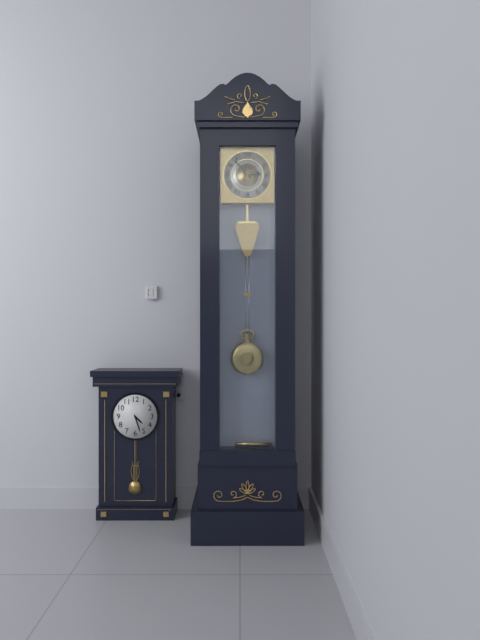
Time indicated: 2:53
